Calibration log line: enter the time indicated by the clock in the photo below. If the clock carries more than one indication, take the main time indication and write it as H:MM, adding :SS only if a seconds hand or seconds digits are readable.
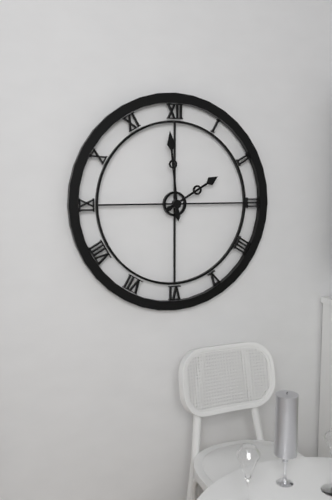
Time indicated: 1:59
